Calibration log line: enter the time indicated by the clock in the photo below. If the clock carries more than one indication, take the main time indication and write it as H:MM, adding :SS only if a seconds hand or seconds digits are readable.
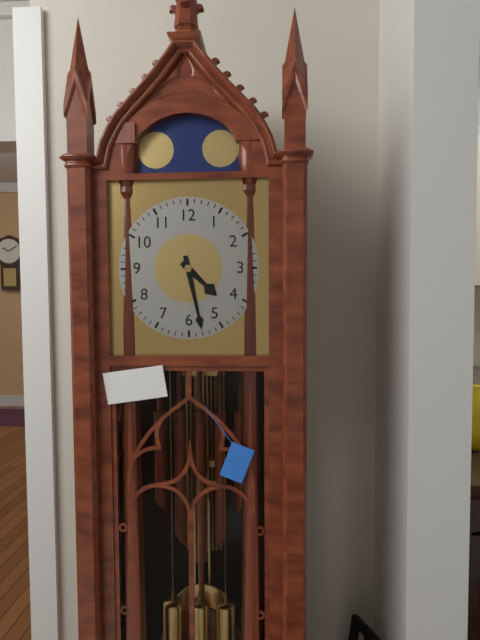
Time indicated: 4:28
